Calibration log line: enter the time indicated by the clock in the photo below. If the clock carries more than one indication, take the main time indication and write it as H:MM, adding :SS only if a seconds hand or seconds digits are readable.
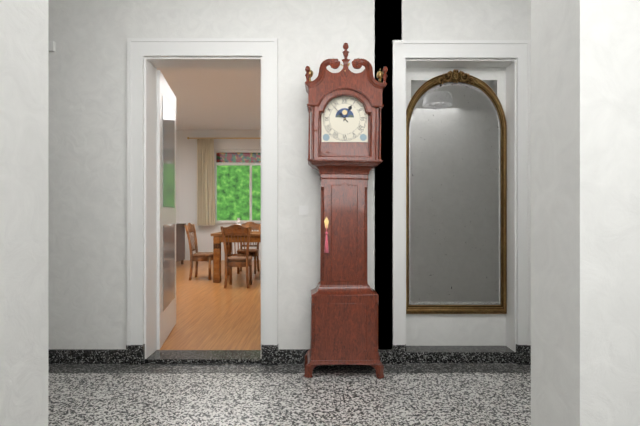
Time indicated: 12:53
